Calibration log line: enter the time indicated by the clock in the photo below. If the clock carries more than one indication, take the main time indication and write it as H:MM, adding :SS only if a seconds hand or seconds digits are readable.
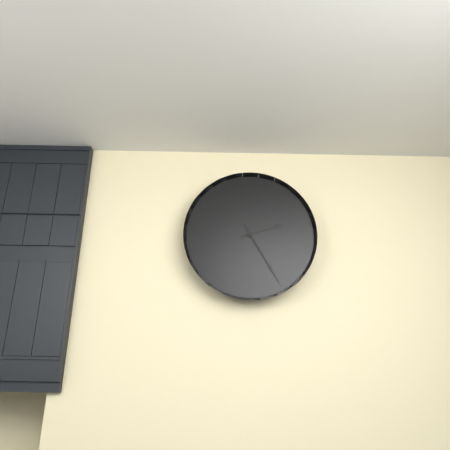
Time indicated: 2:25
